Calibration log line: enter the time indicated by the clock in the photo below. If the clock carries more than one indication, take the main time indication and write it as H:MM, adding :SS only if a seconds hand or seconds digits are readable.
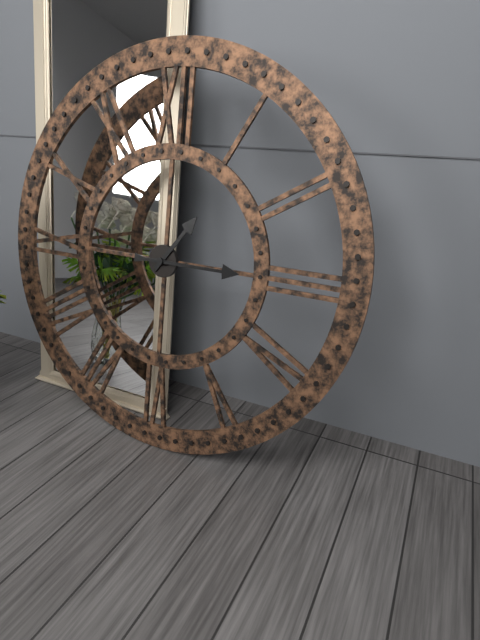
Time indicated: 1:15
